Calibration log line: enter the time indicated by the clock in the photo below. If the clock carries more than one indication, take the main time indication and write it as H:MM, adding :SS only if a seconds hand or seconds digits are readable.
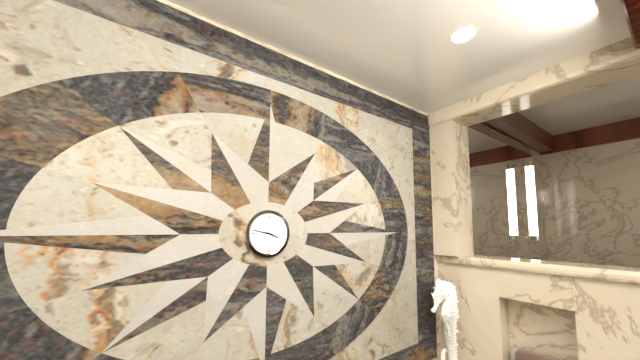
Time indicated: 3:47
